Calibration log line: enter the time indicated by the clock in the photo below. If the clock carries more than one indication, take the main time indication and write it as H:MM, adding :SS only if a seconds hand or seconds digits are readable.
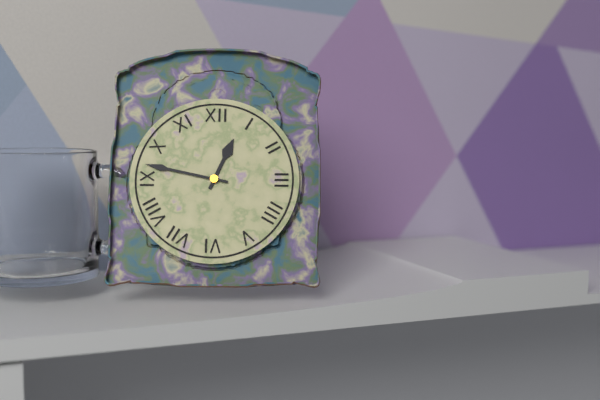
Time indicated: 12:47
